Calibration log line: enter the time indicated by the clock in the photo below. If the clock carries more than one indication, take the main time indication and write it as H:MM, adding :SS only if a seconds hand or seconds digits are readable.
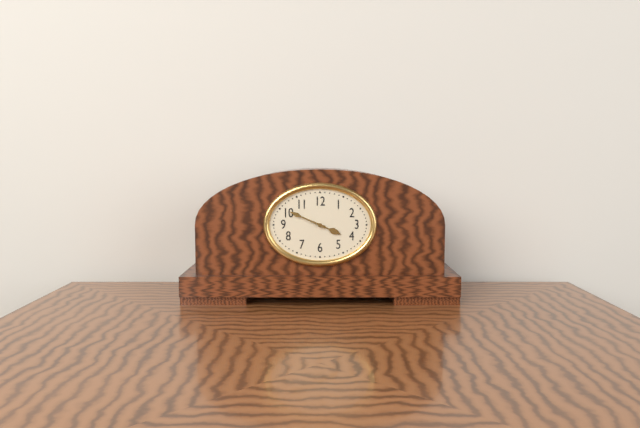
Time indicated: 3:49
